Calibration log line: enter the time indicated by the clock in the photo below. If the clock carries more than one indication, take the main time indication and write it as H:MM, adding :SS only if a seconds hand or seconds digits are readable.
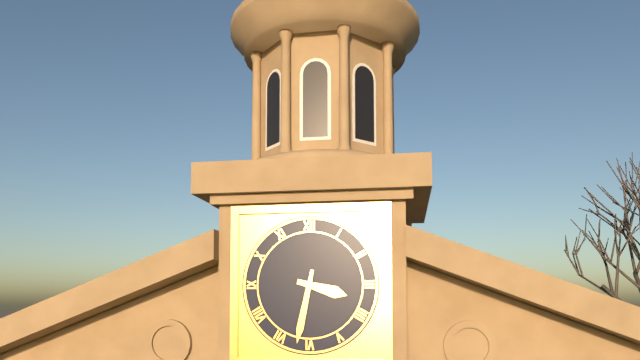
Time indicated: 3:32
